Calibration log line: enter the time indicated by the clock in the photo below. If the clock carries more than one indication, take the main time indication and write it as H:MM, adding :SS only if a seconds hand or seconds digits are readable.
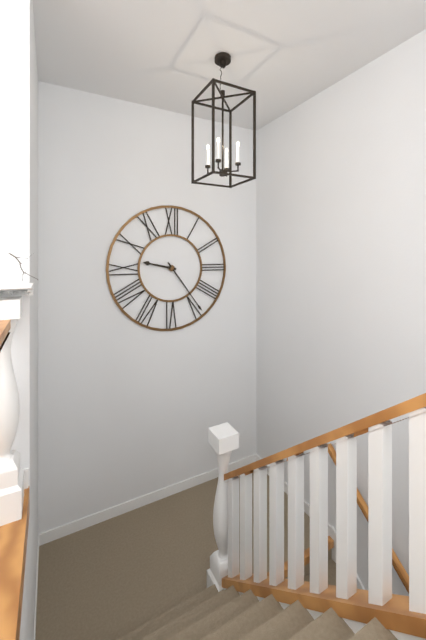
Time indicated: 9:24
